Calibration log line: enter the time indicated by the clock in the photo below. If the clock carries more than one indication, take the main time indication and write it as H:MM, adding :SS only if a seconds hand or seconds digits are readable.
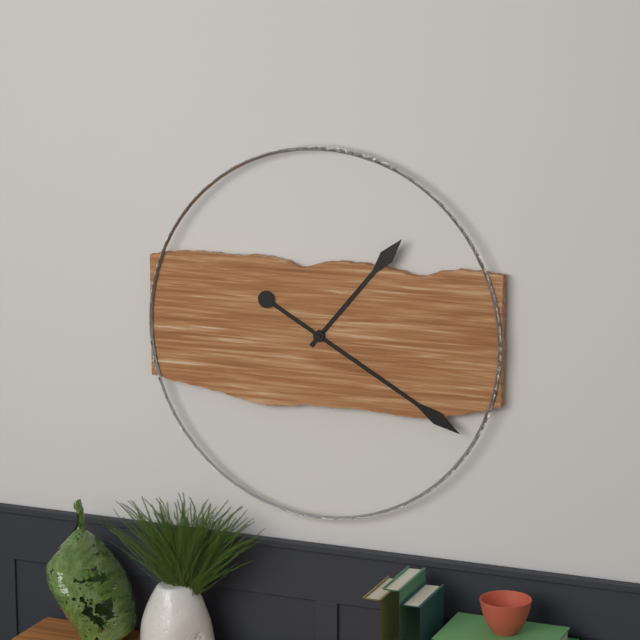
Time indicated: 1:20
